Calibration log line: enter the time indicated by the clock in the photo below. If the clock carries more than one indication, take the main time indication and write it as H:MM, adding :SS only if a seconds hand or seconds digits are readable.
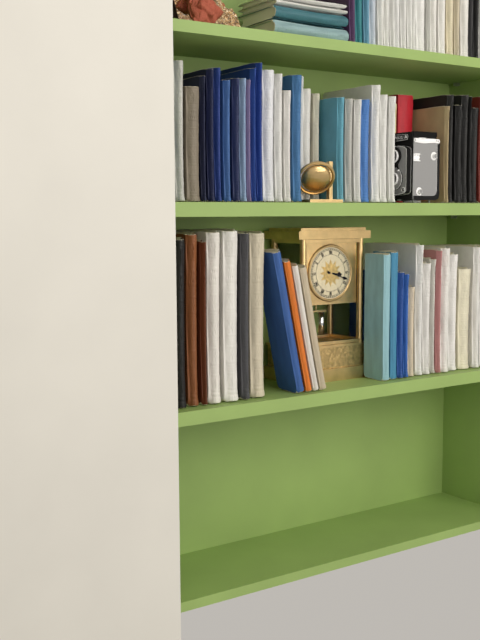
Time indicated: 3:18
